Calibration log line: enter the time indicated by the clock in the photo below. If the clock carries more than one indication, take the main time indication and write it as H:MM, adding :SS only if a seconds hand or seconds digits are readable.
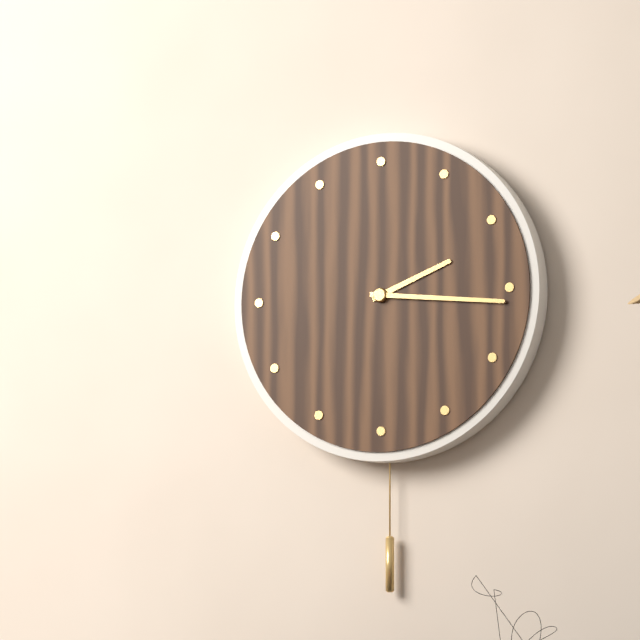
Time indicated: 2:16
